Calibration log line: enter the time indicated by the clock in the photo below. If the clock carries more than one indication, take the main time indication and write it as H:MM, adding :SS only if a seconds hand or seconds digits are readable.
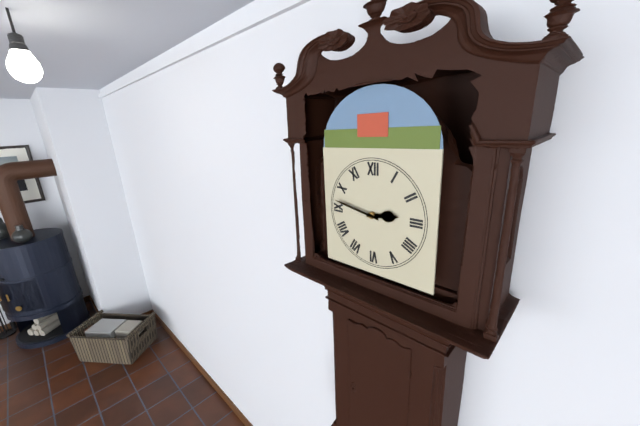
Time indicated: 2:47
